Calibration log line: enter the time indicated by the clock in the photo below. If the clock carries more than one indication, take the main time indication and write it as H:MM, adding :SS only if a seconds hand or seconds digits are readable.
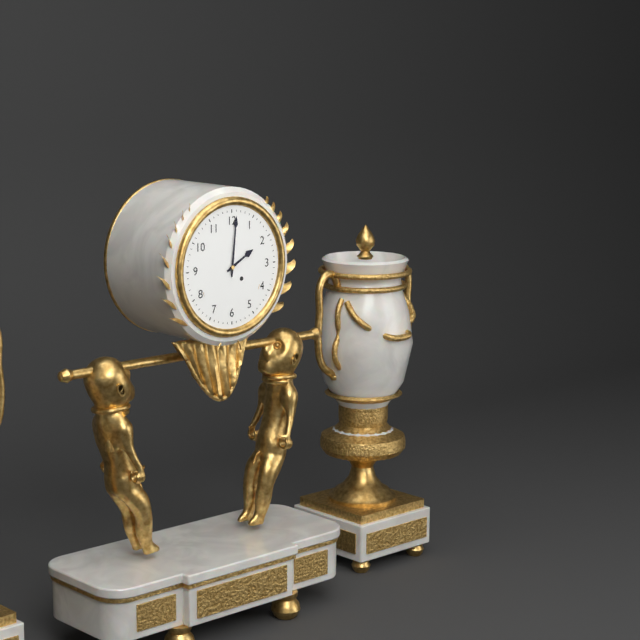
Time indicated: 2:01
